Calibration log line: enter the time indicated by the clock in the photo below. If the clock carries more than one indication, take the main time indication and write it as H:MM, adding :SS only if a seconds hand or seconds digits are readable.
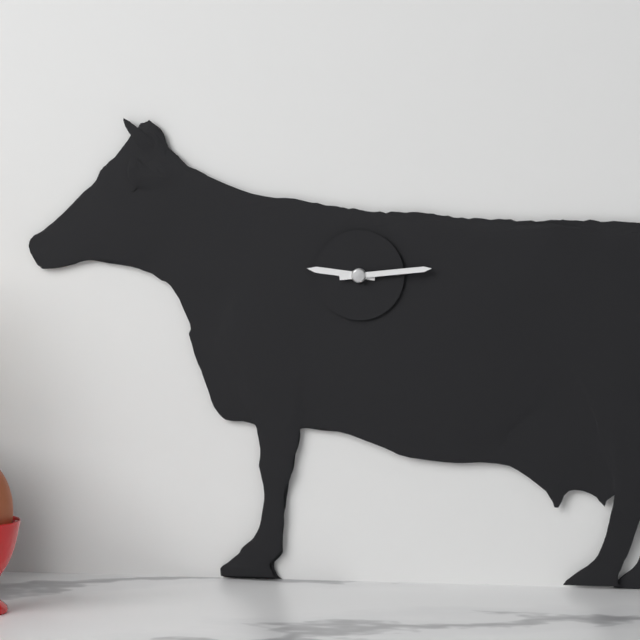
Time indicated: 9:14
